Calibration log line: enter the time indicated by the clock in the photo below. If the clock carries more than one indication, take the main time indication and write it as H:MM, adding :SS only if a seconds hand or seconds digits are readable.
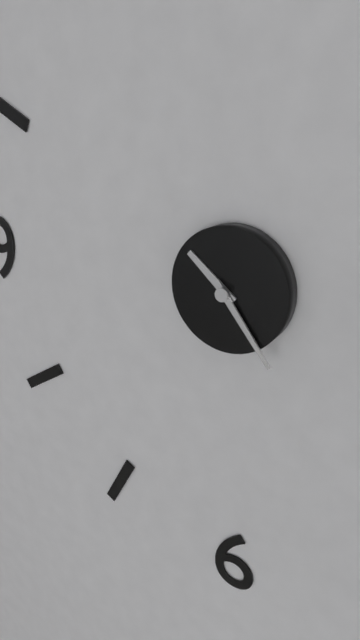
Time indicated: 10:24
